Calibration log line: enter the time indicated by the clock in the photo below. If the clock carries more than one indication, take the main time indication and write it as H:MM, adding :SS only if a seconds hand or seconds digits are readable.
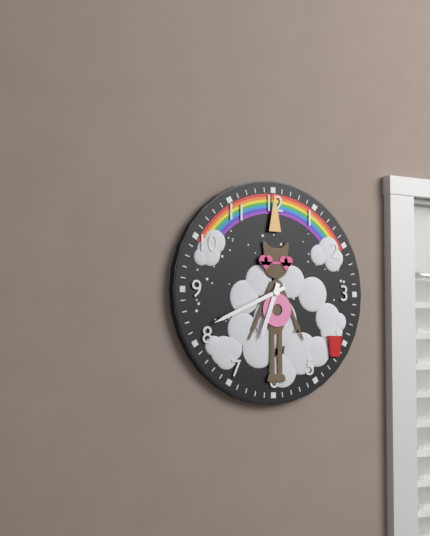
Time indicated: 6:41
